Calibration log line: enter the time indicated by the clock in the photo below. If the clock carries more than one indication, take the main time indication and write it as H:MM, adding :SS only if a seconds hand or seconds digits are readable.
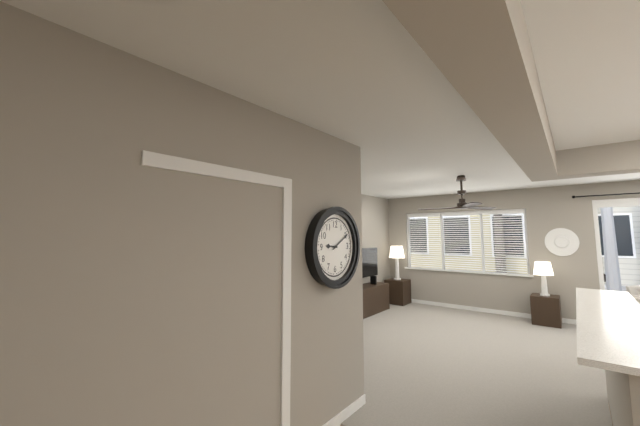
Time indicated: 9:10
